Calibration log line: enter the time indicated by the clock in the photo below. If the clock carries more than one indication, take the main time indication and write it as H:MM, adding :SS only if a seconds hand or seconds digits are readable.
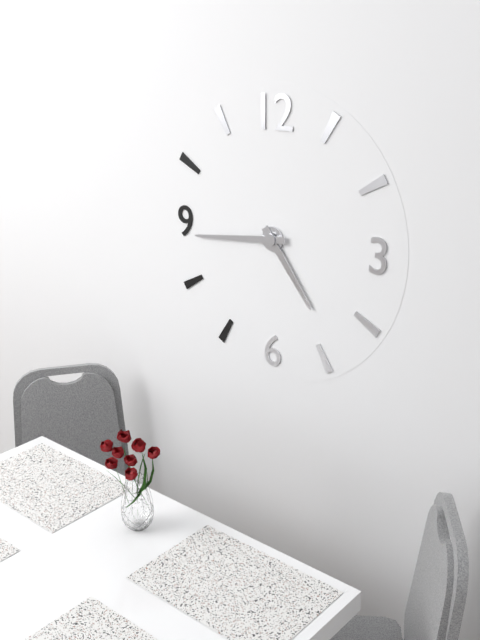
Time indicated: 4:44
